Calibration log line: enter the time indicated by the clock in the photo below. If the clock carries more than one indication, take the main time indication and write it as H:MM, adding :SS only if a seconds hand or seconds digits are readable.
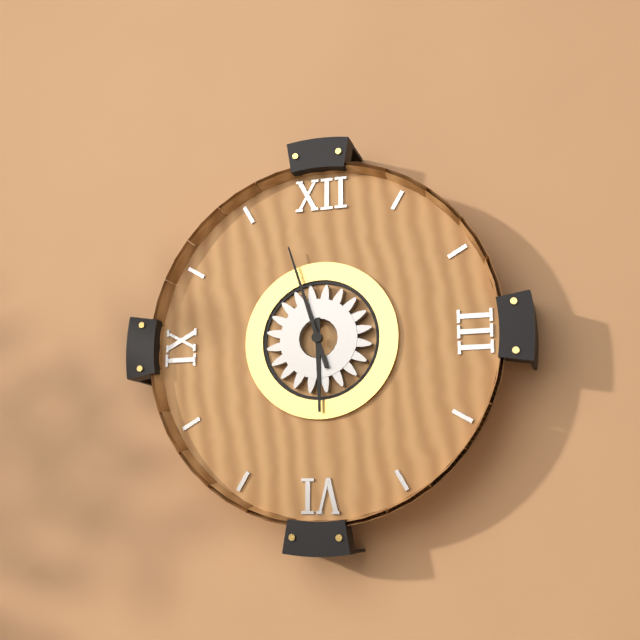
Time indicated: 5:57
